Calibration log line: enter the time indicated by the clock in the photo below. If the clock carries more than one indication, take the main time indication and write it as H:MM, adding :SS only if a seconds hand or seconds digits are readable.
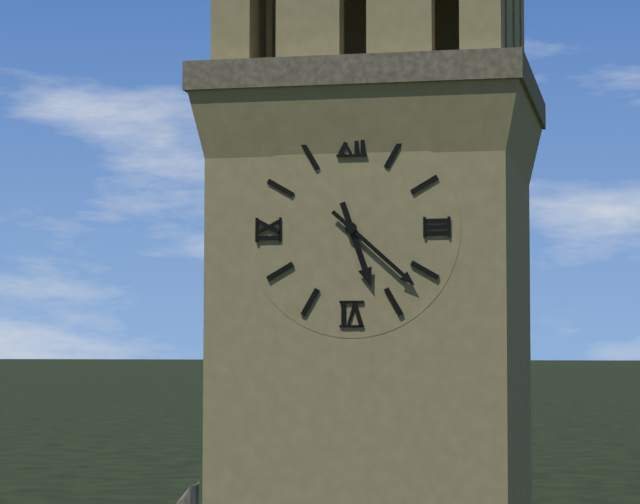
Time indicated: 5:22
